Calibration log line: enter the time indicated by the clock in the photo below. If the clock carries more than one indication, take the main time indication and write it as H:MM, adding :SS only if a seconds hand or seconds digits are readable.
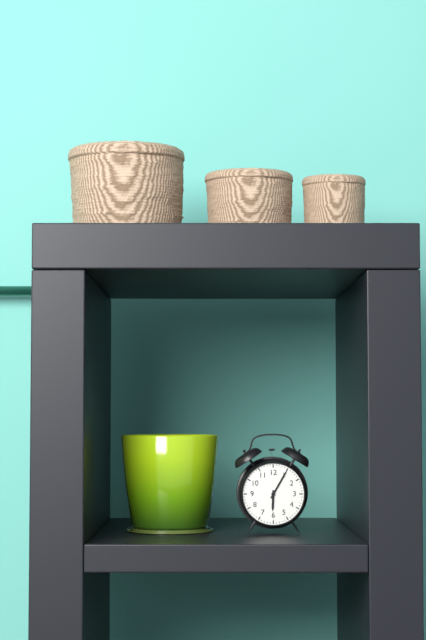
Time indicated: 6:05
